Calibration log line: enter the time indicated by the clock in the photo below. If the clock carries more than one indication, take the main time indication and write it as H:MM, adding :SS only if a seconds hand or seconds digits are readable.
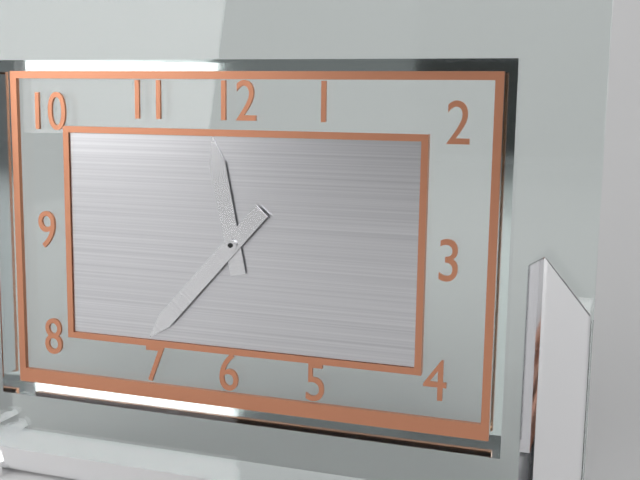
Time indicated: 11:37
